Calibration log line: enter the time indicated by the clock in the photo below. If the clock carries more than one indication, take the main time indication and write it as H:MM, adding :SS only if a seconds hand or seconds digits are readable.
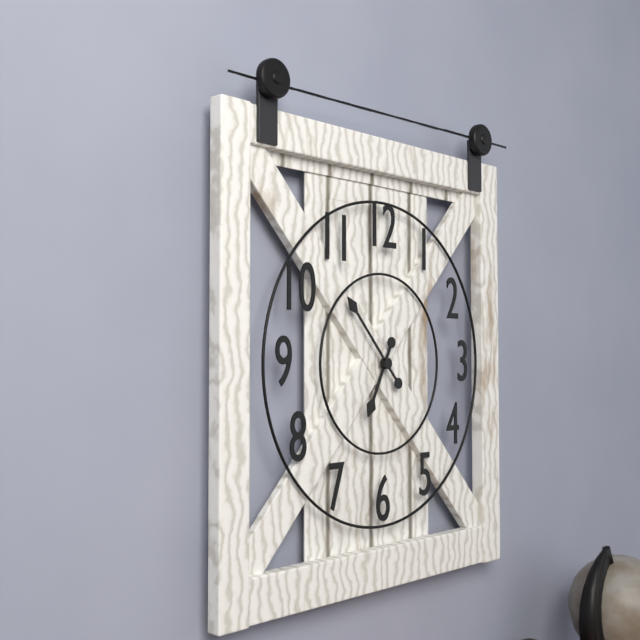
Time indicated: 6:53
